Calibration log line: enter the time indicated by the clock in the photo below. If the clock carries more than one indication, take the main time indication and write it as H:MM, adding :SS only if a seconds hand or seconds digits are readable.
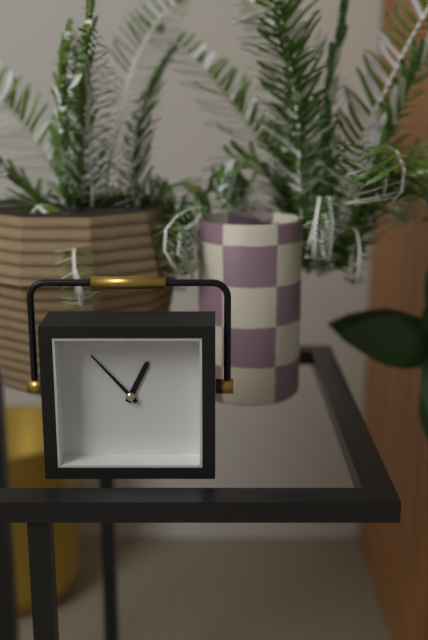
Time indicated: 12:53
